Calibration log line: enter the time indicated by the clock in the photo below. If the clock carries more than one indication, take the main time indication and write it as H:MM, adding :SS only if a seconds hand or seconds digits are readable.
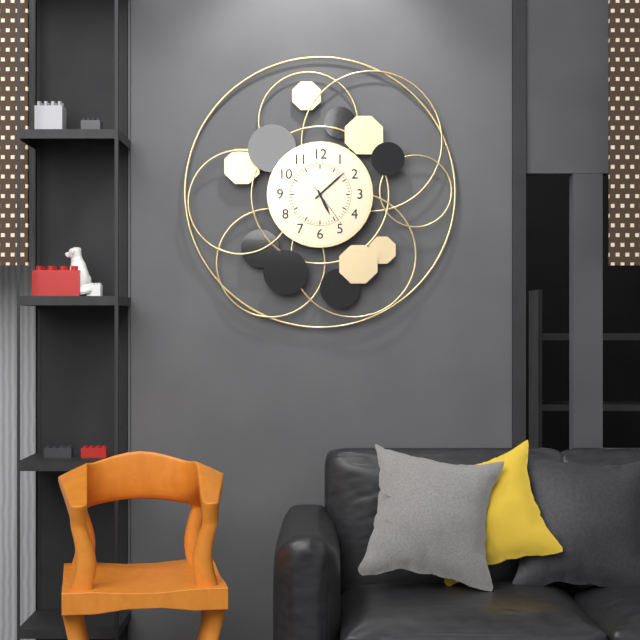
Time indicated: 5:08
